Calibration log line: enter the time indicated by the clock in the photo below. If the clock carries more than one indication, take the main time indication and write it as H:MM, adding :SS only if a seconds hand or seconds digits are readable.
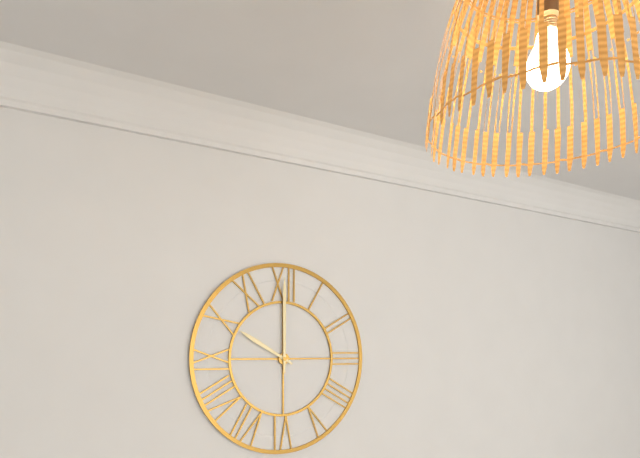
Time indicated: 10:00
